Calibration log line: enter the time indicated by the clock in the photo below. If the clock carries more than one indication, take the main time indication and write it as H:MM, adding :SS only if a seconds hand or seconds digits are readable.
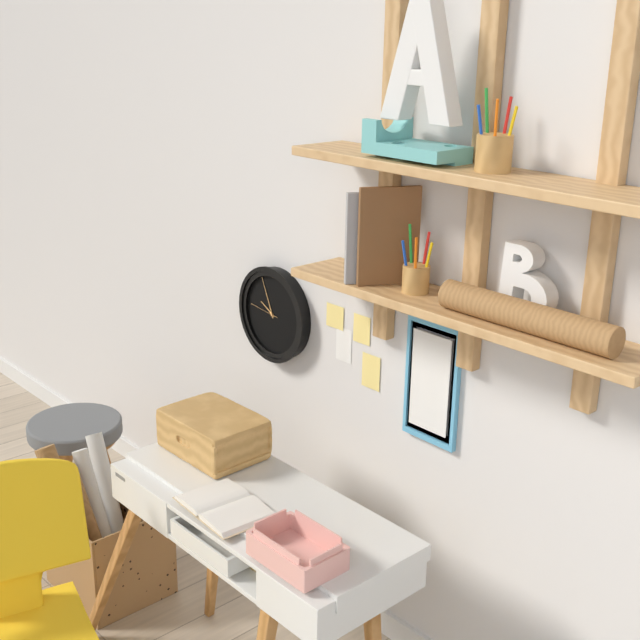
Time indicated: 9:56
